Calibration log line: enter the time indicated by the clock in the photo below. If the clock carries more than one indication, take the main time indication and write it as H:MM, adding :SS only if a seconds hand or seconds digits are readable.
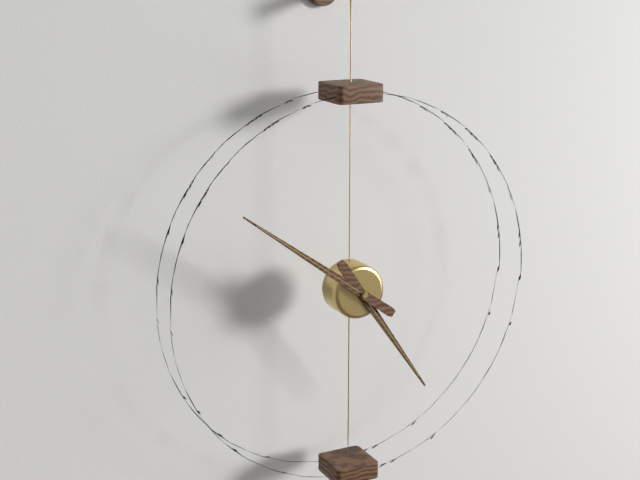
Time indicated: 4:51
